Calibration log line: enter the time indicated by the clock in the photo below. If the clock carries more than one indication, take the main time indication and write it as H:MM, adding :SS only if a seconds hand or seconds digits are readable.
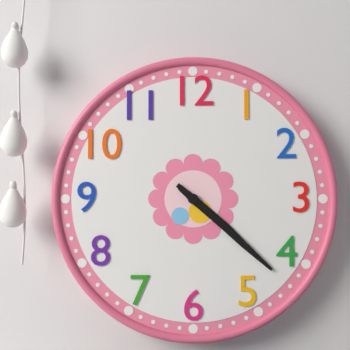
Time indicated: 4:22
